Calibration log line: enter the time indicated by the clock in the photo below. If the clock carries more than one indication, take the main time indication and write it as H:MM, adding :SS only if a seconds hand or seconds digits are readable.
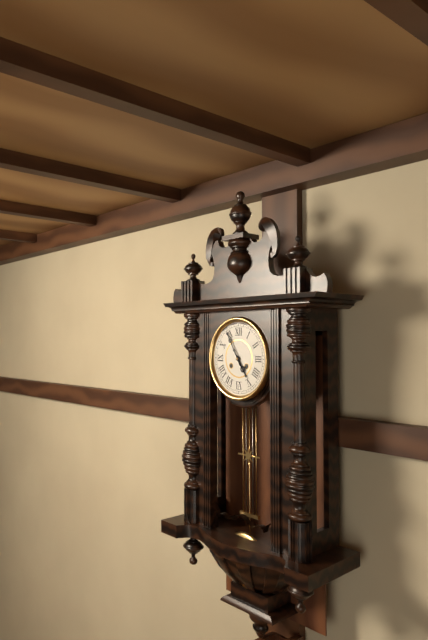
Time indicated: 4:55
